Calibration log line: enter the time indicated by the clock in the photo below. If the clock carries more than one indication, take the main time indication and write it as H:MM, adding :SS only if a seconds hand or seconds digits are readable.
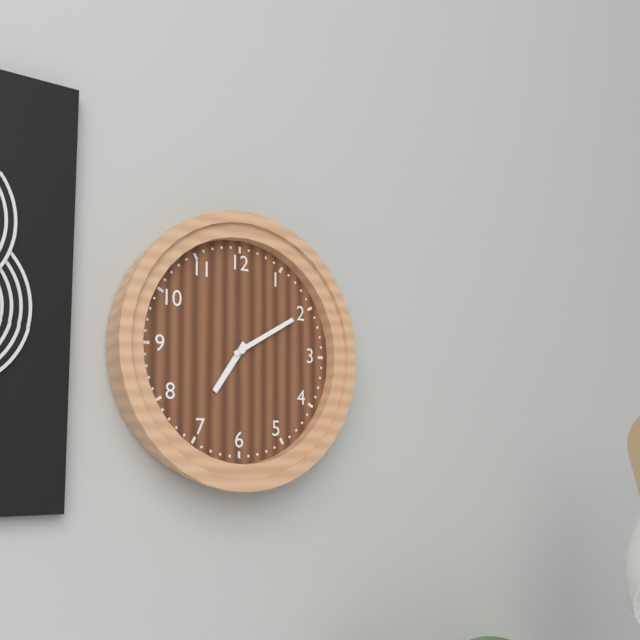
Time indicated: 7:10
